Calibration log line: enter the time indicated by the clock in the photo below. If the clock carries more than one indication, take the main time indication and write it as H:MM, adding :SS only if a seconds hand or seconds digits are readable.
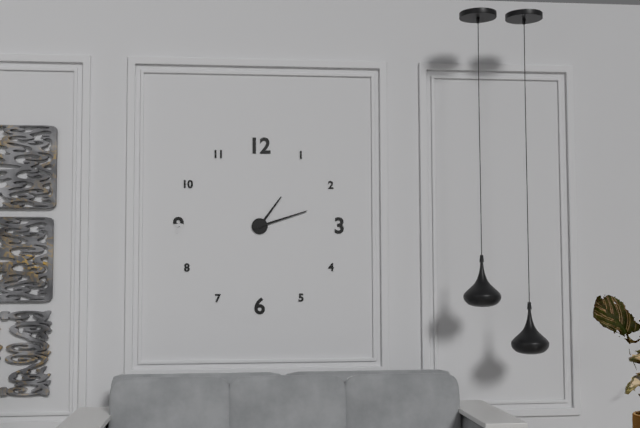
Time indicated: 1:12
